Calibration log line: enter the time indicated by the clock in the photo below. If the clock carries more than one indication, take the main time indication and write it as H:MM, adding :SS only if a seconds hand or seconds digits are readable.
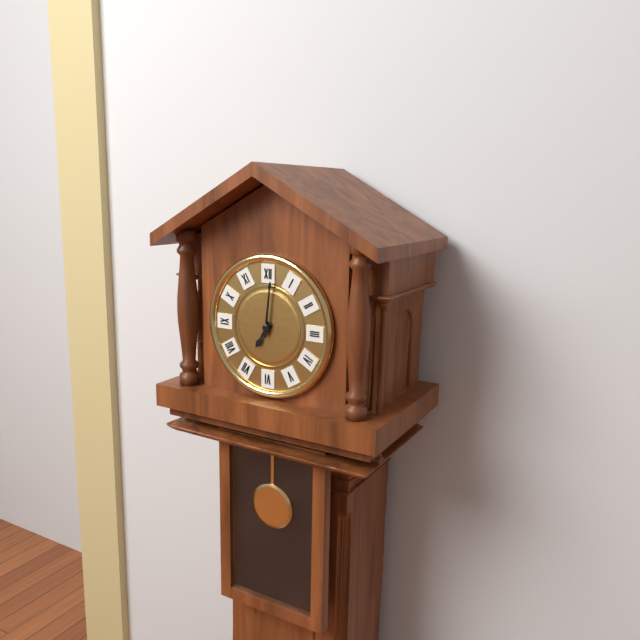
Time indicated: 7:01
